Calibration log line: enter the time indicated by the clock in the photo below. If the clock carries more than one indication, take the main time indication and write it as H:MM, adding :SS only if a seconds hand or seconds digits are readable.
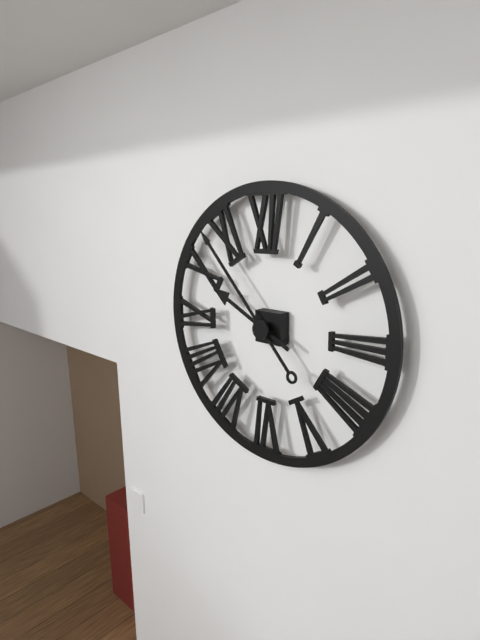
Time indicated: 9:53
